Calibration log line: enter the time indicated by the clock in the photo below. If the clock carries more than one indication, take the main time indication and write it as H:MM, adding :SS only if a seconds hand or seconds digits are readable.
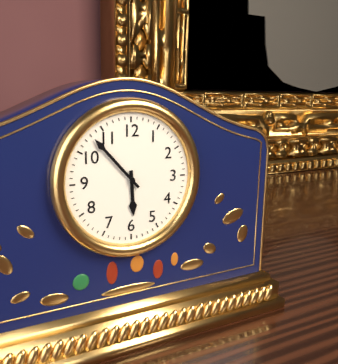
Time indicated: 5:53
